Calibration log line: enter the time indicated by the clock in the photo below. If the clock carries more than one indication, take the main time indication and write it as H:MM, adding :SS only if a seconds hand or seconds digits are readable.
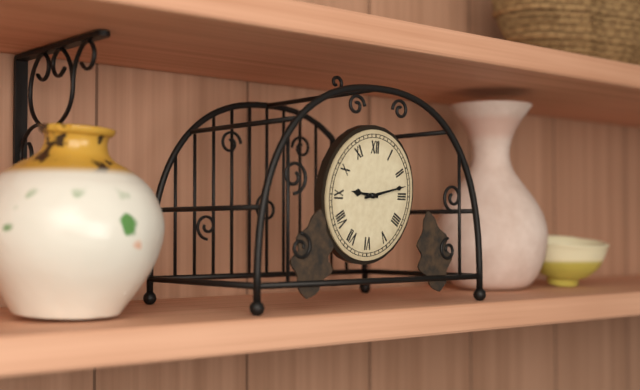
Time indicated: 9:13
